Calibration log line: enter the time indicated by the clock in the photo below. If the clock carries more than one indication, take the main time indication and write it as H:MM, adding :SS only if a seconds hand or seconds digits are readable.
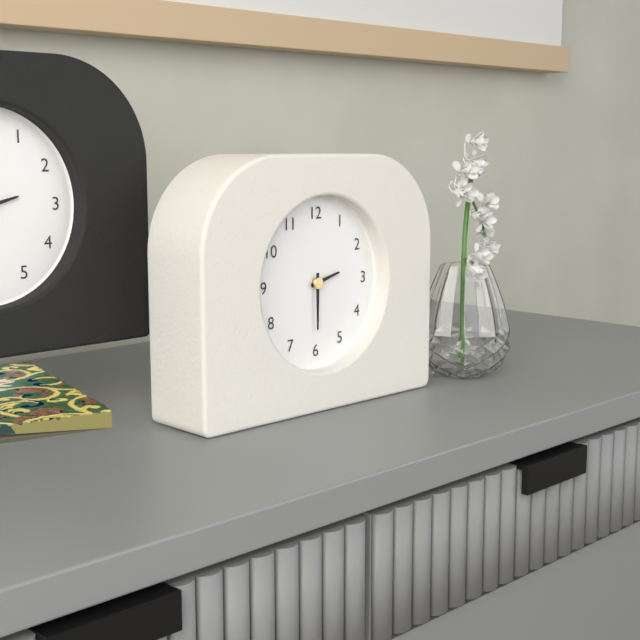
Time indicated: 2:30
